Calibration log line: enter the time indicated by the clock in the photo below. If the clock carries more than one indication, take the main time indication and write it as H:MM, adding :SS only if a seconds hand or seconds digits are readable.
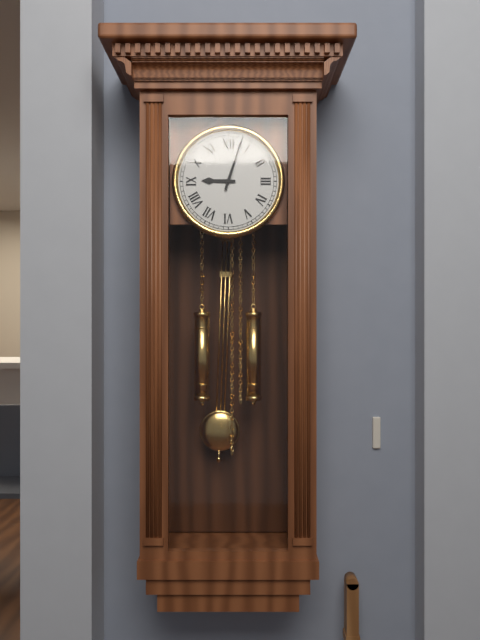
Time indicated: 9:03
